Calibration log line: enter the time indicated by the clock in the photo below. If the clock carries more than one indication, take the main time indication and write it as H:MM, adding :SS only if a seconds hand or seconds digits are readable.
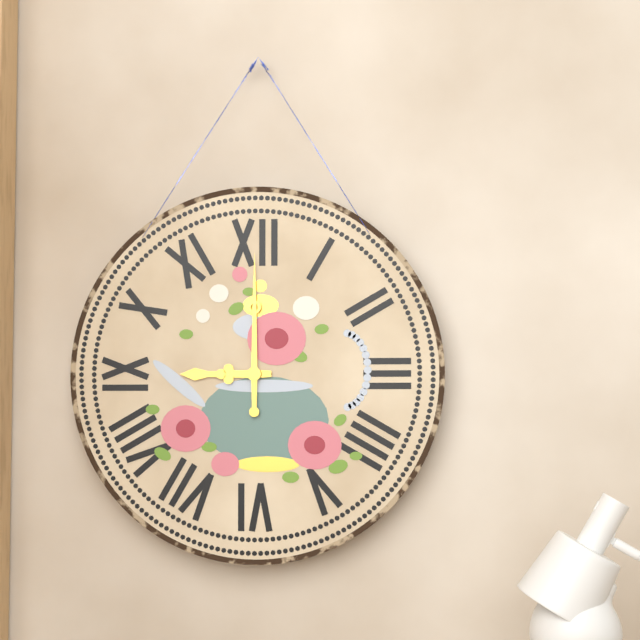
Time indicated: 9:00
